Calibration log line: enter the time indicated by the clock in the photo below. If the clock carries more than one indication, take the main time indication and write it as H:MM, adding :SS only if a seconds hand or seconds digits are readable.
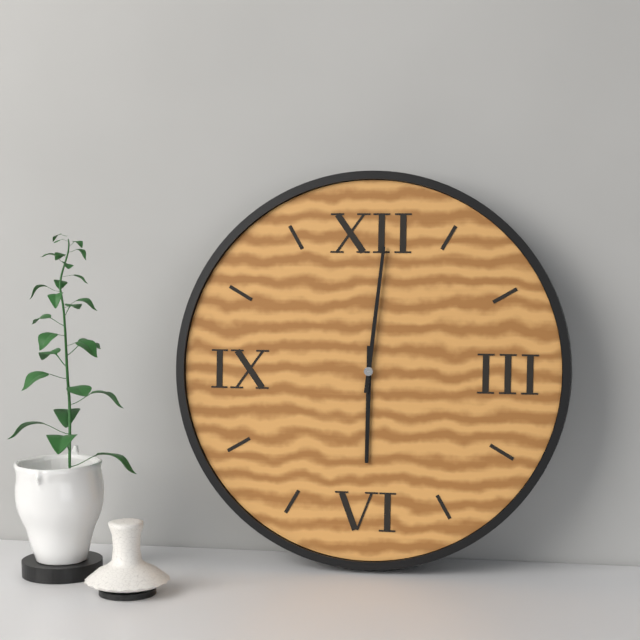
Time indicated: 6:01
